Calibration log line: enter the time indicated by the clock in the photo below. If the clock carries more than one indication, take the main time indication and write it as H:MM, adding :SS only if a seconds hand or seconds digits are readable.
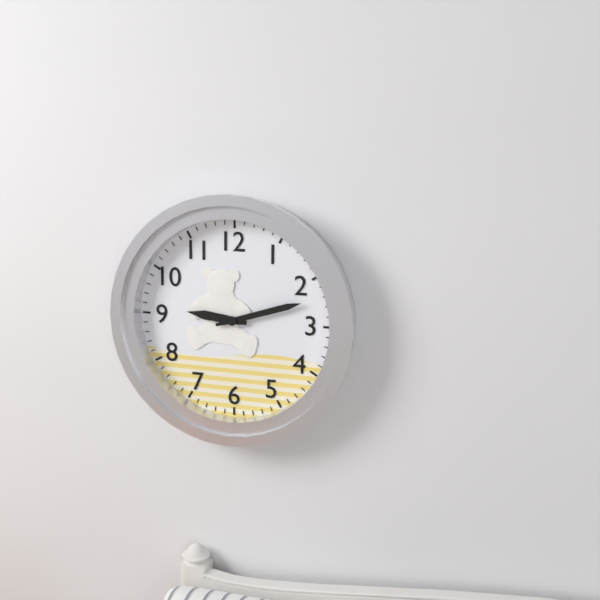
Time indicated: 9:12
